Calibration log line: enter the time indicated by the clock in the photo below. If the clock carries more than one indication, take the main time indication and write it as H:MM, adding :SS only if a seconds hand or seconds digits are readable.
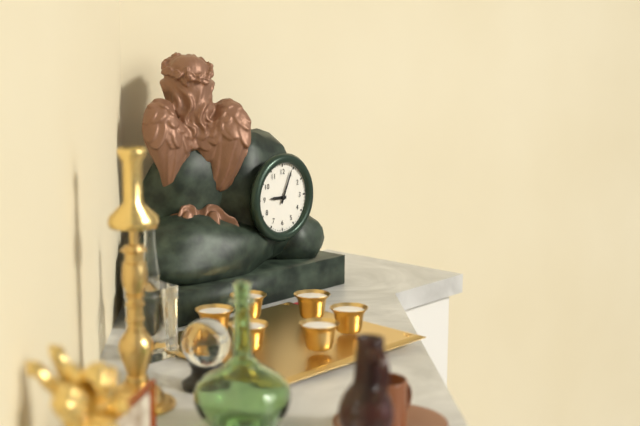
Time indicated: 9:04
